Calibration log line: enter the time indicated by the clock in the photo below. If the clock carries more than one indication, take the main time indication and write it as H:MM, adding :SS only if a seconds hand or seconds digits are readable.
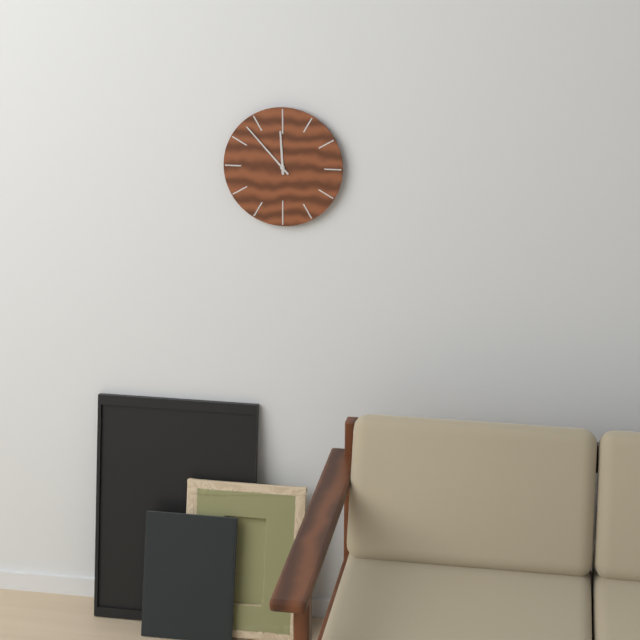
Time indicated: 11:53
